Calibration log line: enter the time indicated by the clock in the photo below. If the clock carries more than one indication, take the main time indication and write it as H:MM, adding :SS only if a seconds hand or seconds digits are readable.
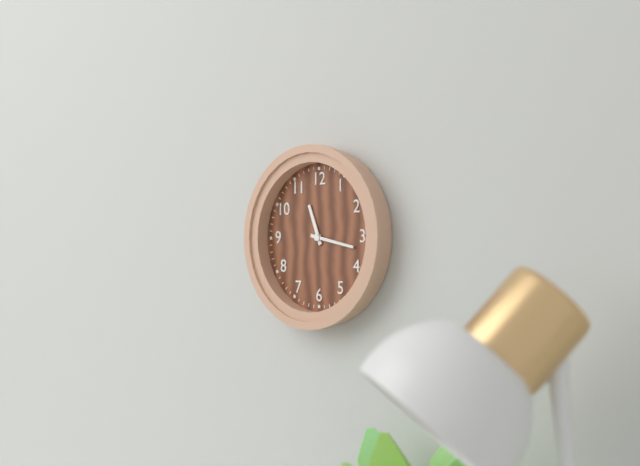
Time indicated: 11:17
